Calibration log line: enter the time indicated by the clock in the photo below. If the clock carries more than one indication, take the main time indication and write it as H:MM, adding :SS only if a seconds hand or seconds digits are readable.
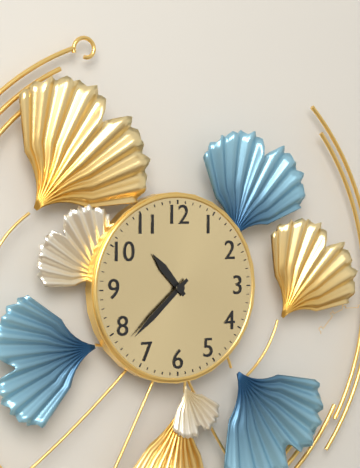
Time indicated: 10:38
